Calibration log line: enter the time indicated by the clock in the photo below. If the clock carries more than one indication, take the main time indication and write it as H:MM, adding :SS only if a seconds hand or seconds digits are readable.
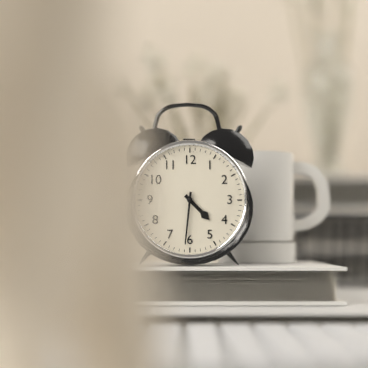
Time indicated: 4:31
